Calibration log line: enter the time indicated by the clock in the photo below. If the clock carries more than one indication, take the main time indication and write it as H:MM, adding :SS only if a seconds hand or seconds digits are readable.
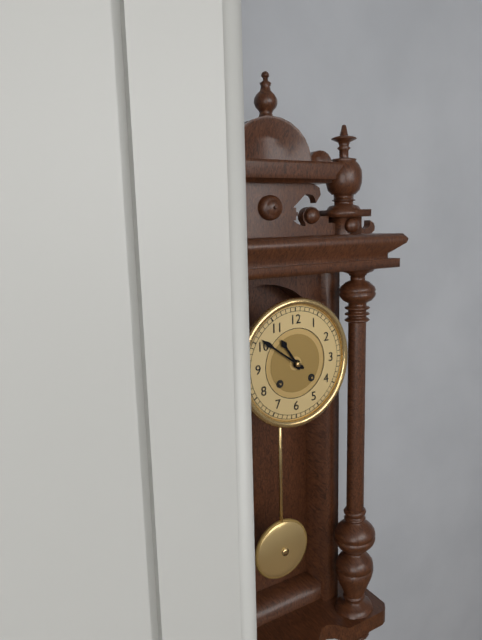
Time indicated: 10:51
